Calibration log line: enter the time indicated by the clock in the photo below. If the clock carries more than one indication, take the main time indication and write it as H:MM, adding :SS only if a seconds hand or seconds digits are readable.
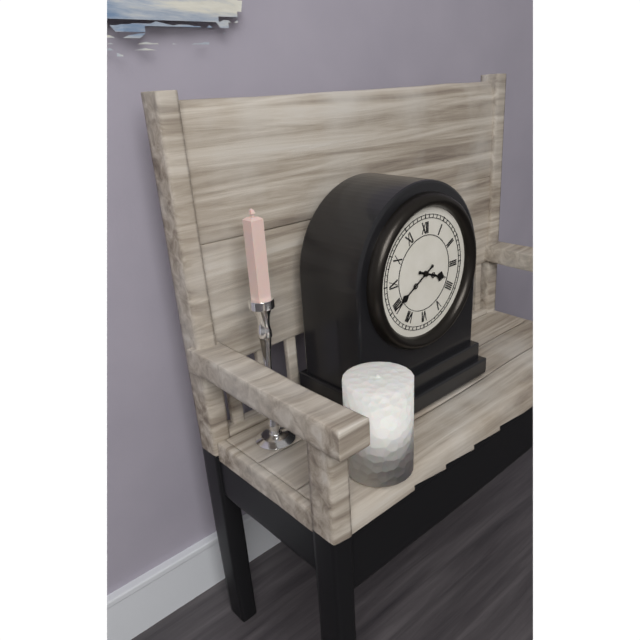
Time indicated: 3:40
